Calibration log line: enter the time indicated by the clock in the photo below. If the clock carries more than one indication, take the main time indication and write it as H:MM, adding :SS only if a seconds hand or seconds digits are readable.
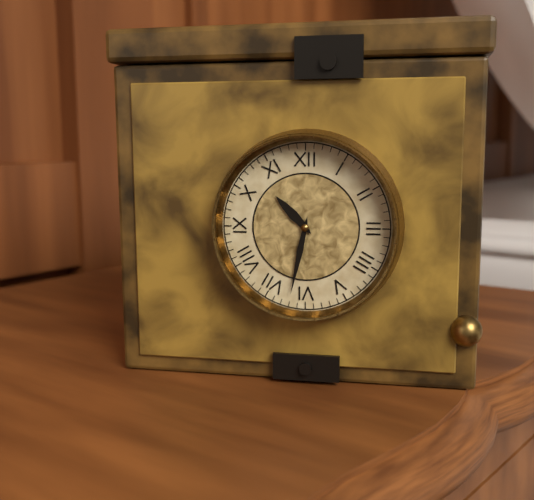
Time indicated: 10:32
